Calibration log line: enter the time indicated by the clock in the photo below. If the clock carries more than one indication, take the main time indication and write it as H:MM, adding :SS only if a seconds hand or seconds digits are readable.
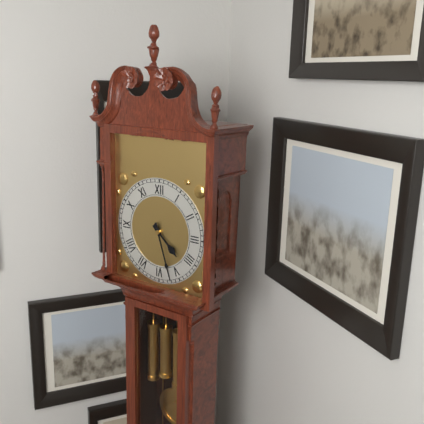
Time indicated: 4:27
